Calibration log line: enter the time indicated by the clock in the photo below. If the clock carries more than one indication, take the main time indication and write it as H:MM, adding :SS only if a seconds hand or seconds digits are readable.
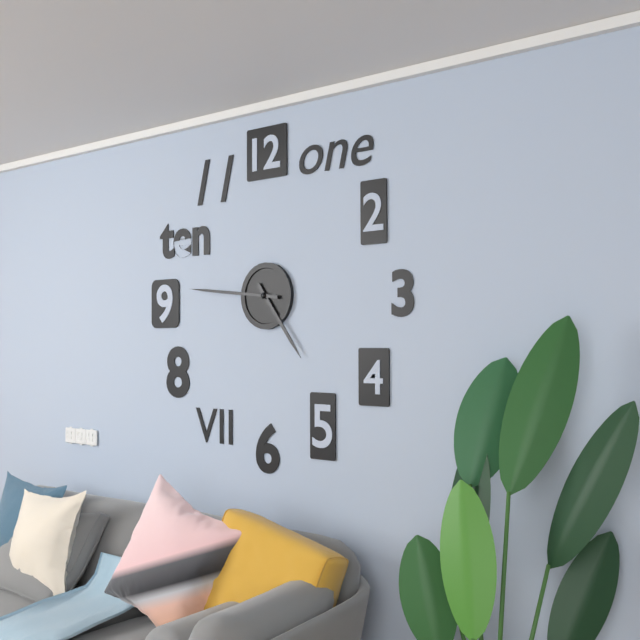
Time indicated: 4:46
